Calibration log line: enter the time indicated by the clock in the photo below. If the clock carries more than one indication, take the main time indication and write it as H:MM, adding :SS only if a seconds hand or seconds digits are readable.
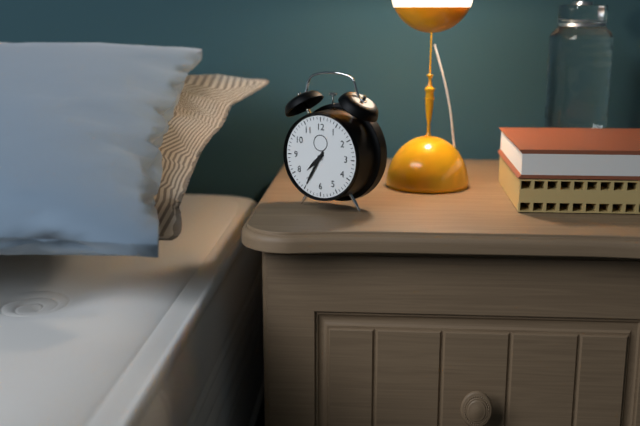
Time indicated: 7:35
